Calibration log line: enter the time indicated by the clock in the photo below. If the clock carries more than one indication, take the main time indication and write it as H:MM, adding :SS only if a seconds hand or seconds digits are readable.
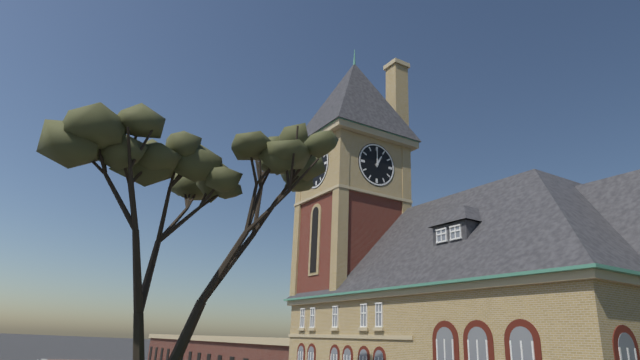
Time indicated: 1:00
